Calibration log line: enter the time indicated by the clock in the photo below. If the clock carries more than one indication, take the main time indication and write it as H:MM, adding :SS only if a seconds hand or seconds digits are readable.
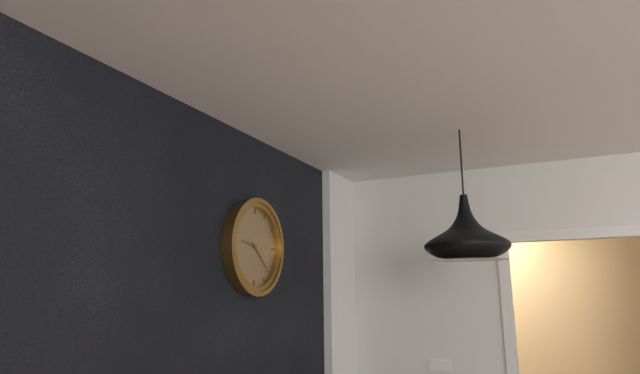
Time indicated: 9:22
